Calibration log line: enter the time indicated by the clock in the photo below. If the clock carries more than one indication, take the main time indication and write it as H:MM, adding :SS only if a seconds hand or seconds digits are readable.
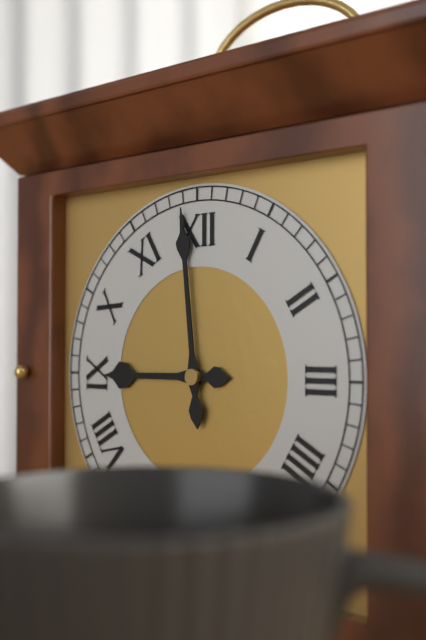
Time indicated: 8:59
